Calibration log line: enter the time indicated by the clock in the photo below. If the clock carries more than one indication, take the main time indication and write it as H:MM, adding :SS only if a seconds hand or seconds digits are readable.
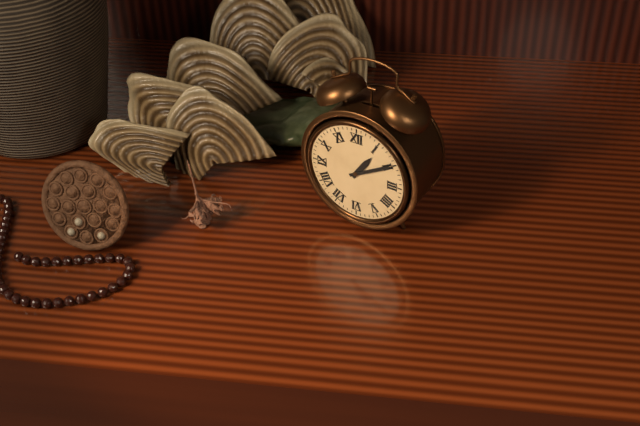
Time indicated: 1:10
